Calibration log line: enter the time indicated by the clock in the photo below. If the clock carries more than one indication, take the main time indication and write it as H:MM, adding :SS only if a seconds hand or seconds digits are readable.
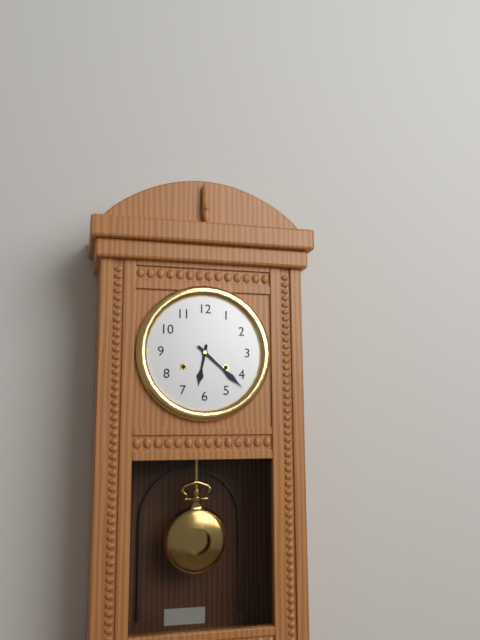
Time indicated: 6:22
